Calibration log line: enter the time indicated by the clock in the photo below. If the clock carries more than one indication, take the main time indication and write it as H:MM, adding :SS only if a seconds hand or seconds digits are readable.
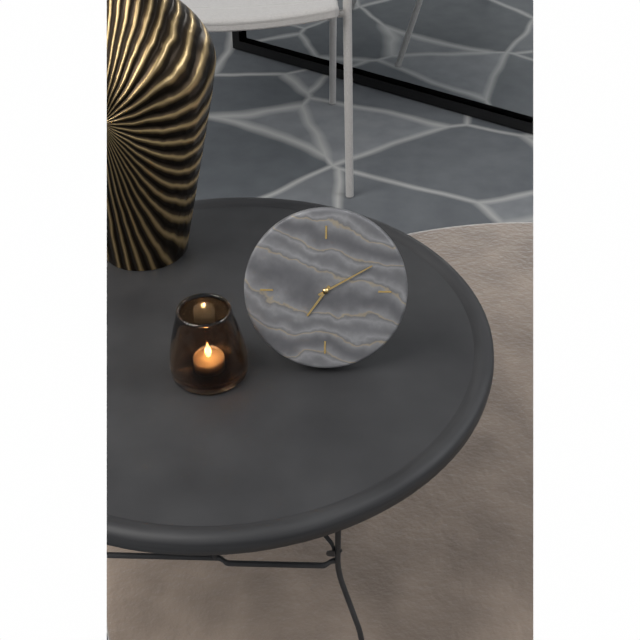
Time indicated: 7:10
